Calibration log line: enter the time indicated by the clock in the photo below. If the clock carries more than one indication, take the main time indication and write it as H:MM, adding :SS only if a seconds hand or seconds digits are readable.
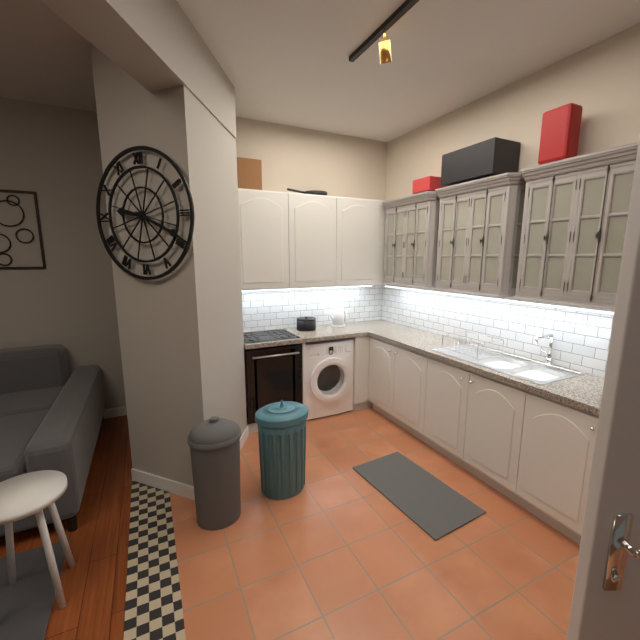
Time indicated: 9:19
